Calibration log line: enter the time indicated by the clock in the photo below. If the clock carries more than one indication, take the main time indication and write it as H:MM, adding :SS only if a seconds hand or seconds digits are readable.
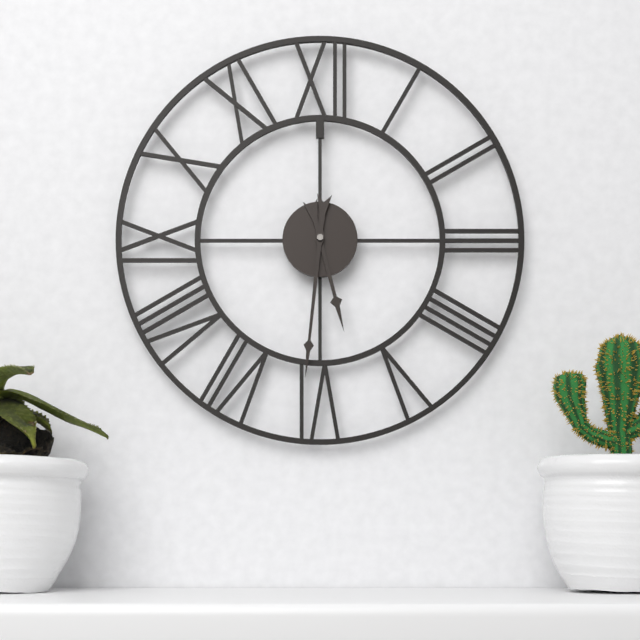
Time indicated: 5:31
